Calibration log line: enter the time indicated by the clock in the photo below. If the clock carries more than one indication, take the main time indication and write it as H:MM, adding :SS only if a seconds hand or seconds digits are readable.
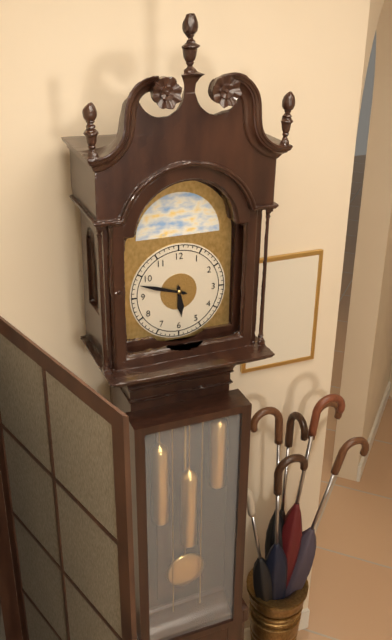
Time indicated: 5:48
